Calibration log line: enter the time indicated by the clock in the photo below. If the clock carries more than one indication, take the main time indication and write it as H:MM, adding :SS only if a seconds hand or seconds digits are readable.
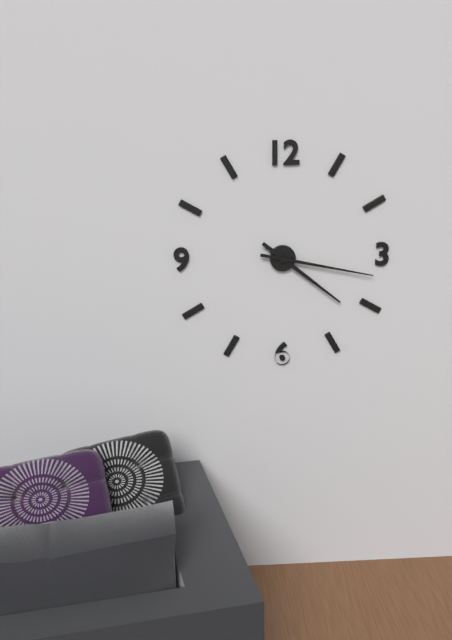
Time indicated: 4:17
